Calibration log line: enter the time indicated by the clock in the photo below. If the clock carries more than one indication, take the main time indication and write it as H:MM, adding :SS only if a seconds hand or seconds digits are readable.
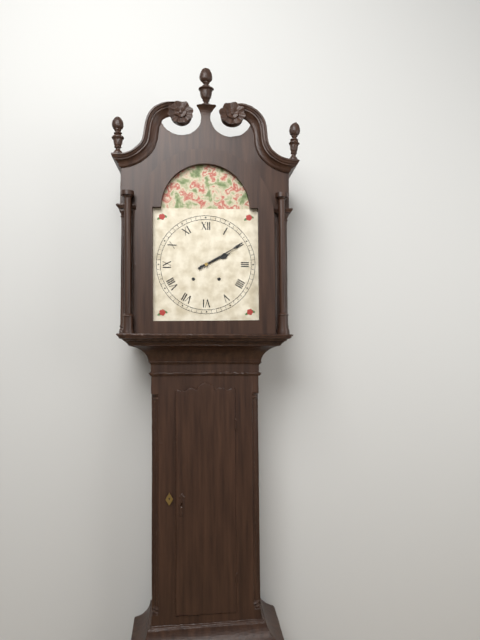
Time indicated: 2:10
